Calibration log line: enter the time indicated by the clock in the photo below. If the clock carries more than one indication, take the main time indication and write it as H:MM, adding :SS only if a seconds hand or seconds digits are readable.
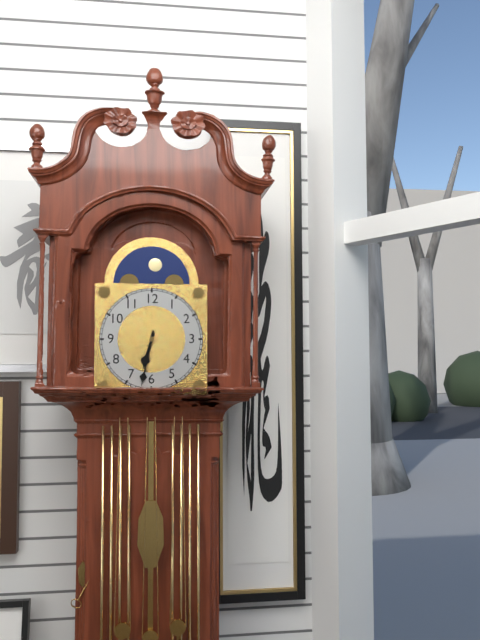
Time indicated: 6:32
